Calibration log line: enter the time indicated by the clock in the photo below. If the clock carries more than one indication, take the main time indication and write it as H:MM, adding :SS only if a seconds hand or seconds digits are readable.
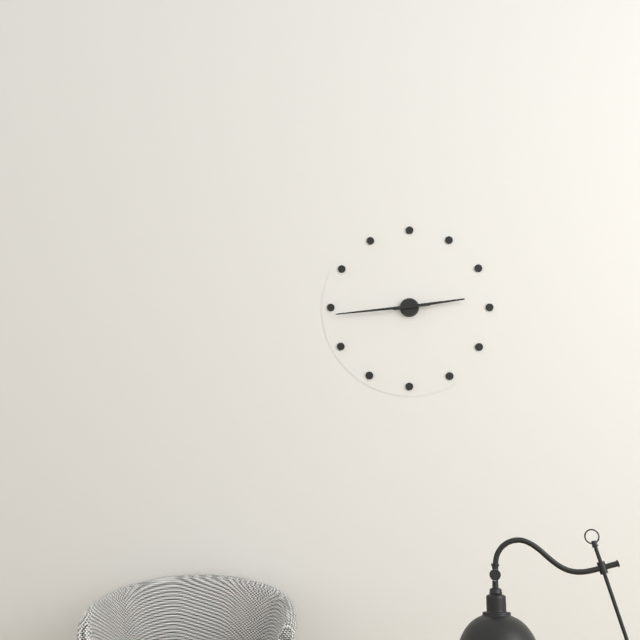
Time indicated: 2:44
